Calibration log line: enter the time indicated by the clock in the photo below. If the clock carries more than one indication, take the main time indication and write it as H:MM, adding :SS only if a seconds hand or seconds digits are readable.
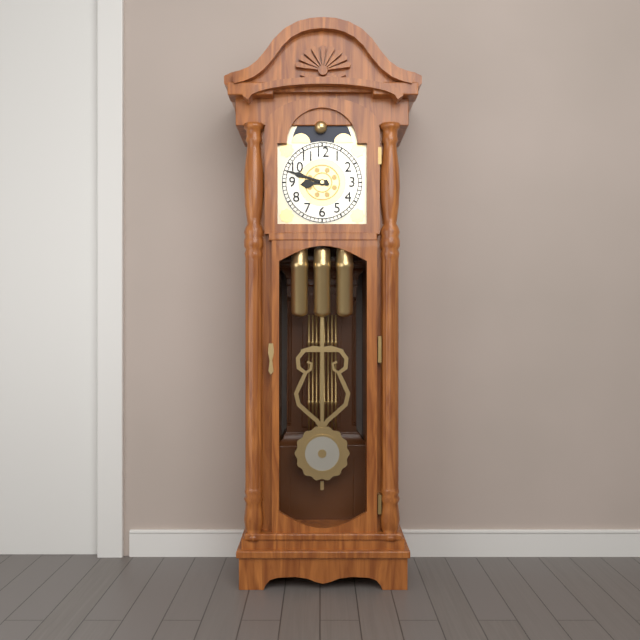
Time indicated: 8:48
